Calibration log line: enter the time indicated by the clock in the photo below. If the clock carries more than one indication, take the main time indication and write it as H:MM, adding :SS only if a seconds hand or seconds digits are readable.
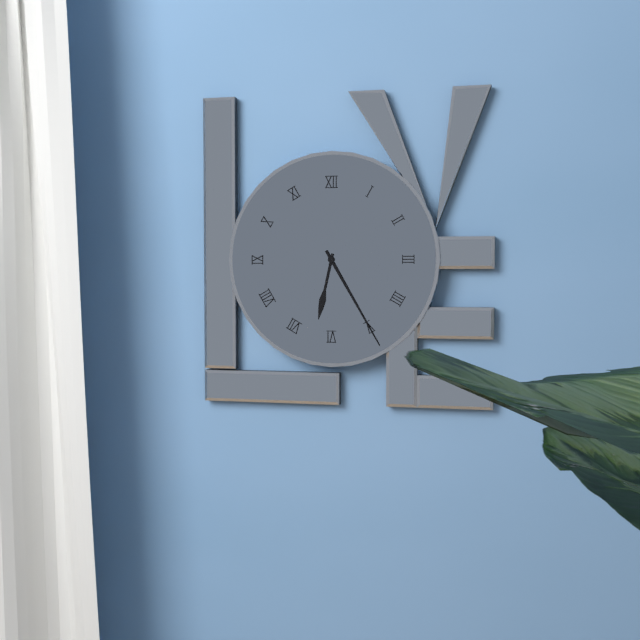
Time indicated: 6:25
